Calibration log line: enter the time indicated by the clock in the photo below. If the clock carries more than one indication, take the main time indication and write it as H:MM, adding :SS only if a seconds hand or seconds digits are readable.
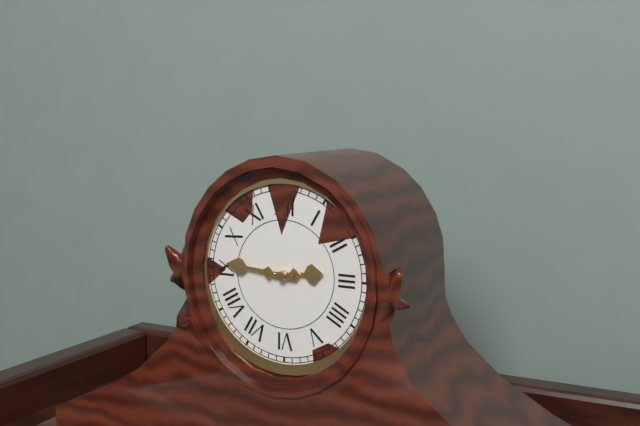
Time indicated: 2:46
